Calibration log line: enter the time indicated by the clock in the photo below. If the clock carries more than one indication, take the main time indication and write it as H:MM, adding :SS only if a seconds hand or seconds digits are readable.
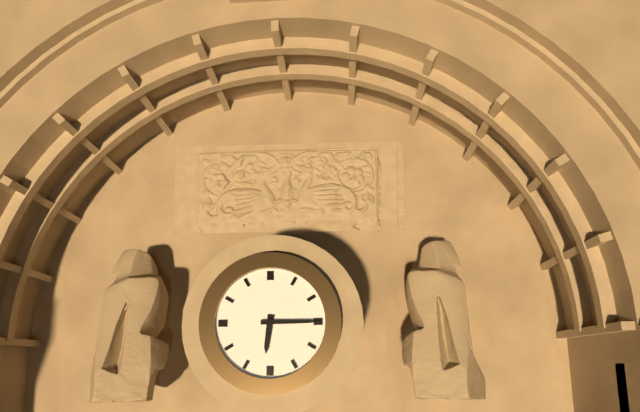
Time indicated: 6:15
